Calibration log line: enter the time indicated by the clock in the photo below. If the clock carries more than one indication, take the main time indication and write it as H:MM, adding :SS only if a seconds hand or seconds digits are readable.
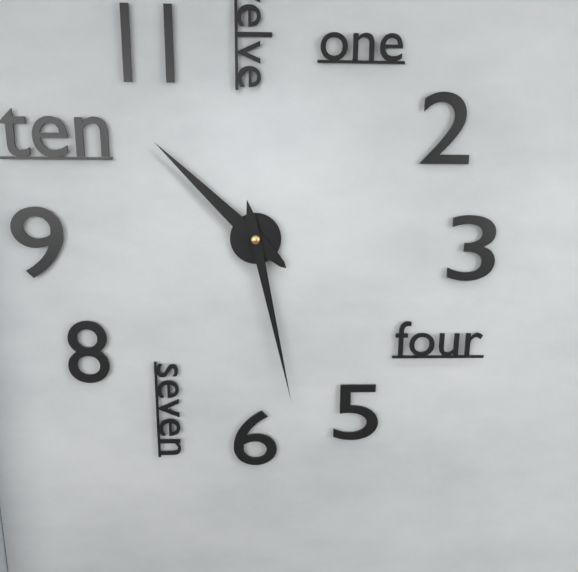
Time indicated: 10:28
